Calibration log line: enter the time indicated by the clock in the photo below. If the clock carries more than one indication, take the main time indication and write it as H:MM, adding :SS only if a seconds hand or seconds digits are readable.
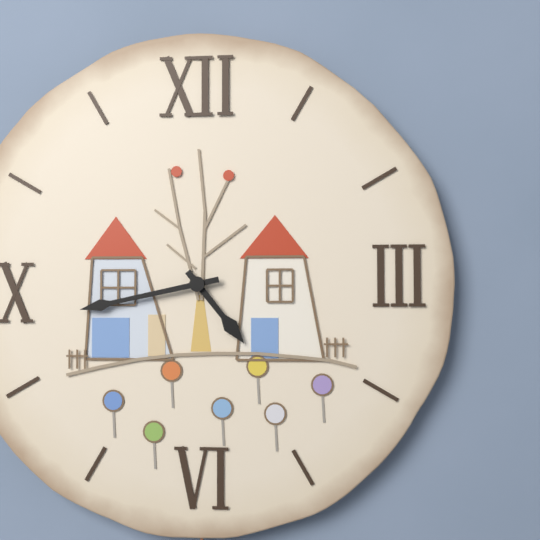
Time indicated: 4:43
